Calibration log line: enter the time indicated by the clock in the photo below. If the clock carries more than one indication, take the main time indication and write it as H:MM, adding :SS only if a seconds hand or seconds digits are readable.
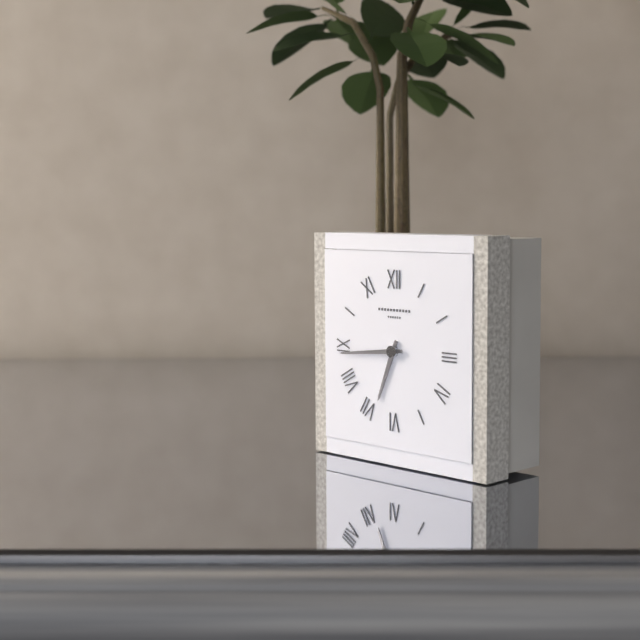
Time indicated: 6:44
